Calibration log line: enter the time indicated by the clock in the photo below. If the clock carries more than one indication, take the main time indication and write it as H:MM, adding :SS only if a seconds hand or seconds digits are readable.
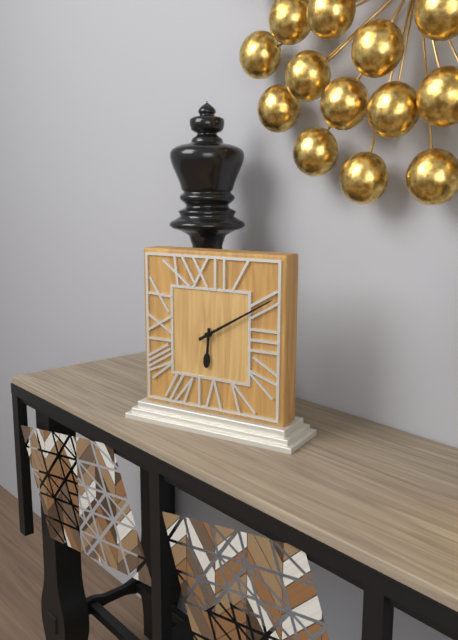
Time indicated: 6:10
